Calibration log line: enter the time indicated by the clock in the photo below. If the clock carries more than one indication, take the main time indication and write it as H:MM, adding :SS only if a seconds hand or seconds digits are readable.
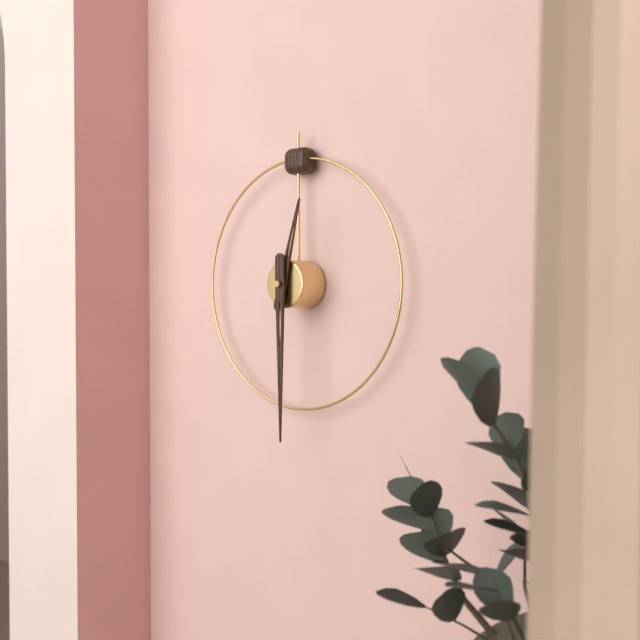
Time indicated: 12:30
